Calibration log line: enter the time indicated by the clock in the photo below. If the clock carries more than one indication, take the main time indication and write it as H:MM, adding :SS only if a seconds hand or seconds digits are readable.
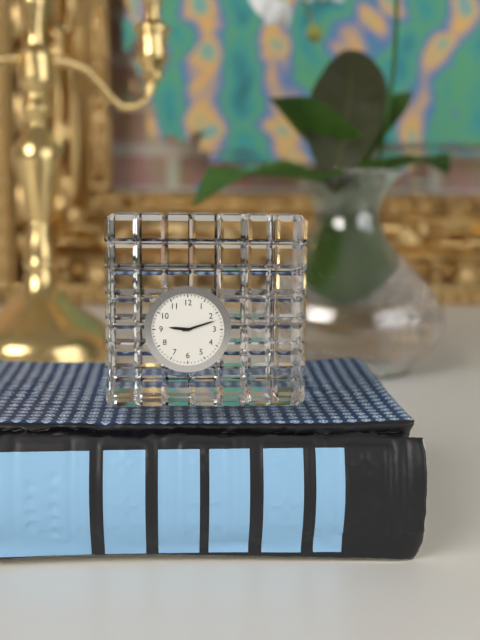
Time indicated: 9:12
